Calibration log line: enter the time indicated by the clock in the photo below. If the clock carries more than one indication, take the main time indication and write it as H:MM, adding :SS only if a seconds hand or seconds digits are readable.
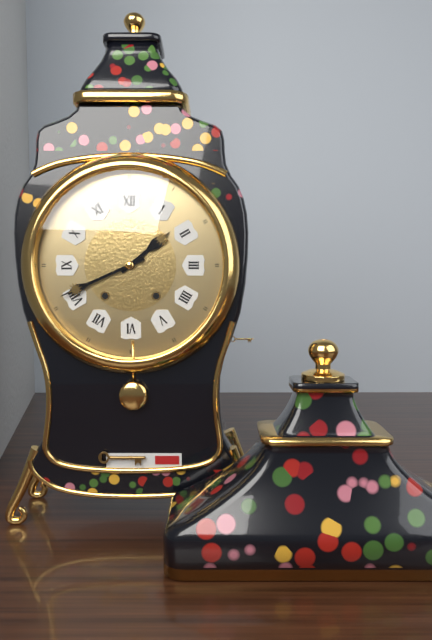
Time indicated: 1:41
